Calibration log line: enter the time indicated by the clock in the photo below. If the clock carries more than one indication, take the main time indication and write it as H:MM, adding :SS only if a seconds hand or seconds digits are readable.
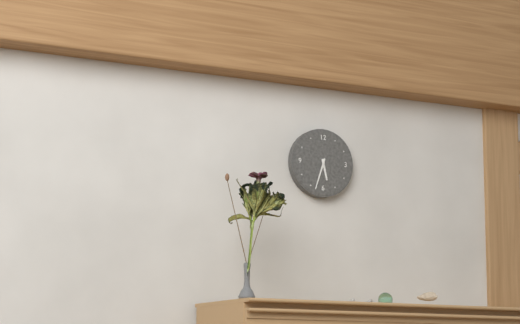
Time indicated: 5:33
